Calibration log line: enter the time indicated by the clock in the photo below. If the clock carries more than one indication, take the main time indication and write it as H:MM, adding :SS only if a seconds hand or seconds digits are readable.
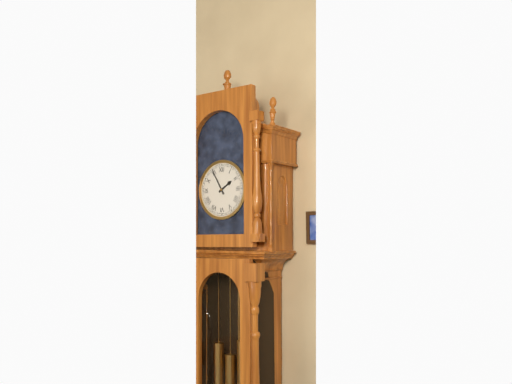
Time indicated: 1:55
